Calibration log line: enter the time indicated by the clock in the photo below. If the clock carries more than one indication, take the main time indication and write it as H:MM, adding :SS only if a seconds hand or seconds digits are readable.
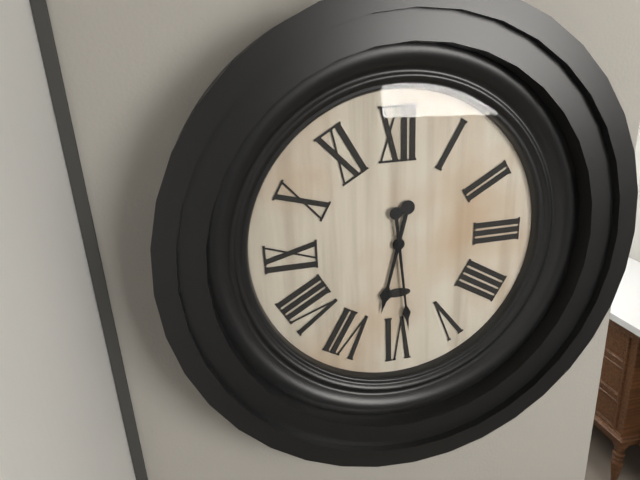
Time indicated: 6:29
